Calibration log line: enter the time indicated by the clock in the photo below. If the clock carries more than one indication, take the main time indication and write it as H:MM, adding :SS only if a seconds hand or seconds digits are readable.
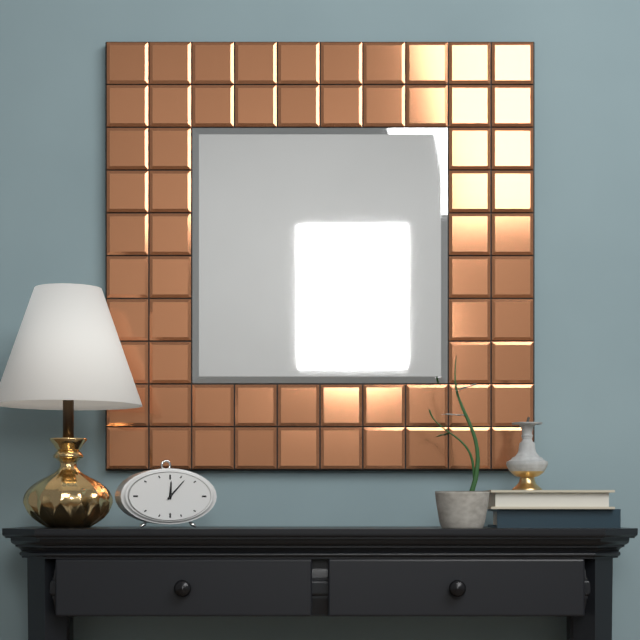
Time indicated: 12:07
